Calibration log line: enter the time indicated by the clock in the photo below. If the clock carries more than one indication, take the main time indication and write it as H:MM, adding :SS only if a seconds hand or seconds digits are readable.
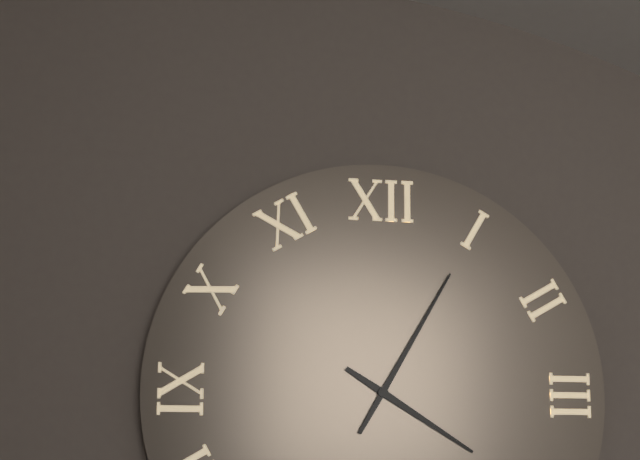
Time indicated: 4:05
